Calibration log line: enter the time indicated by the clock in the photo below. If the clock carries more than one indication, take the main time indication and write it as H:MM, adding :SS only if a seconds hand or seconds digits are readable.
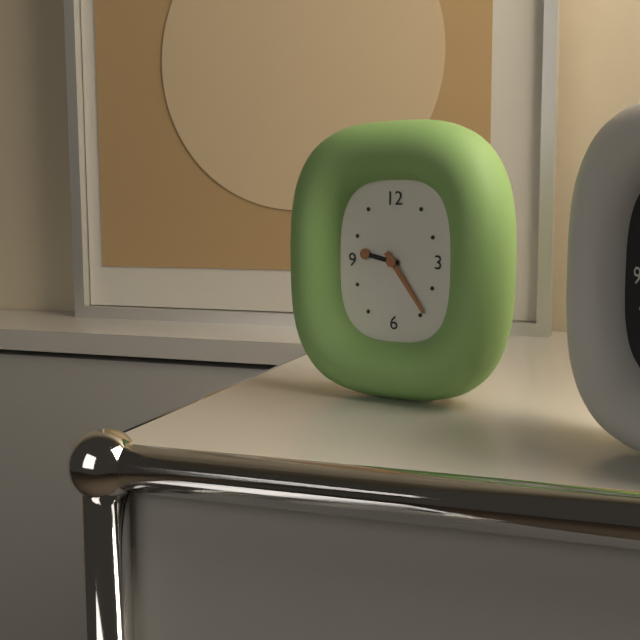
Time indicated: 9:24
